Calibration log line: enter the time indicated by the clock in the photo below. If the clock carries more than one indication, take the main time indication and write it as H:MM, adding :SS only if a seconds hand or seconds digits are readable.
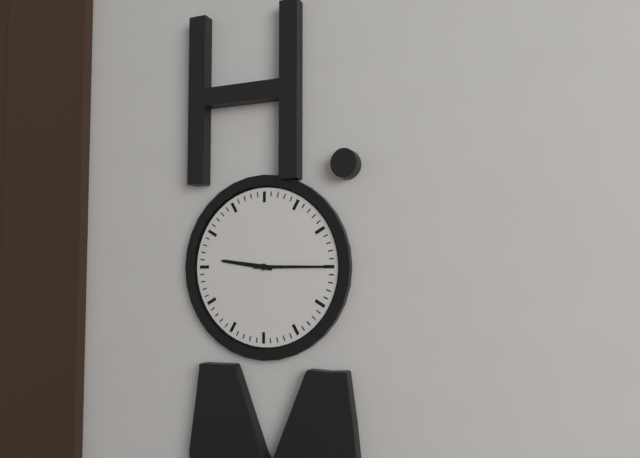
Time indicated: 9:15
